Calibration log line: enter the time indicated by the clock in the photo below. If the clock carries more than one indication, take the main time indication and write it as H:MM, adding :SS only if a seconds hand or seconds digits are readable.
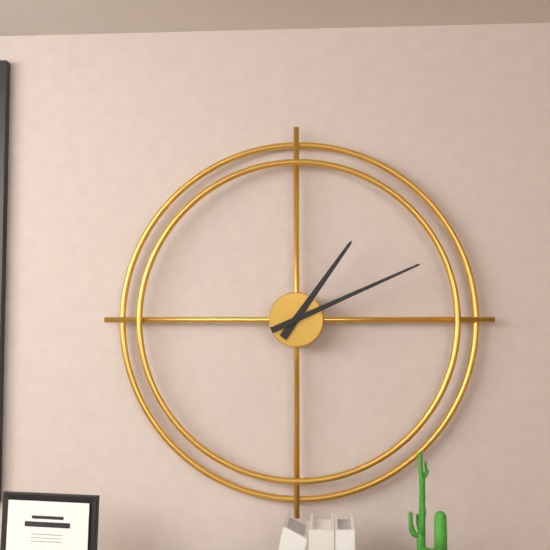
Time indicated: 1:11
